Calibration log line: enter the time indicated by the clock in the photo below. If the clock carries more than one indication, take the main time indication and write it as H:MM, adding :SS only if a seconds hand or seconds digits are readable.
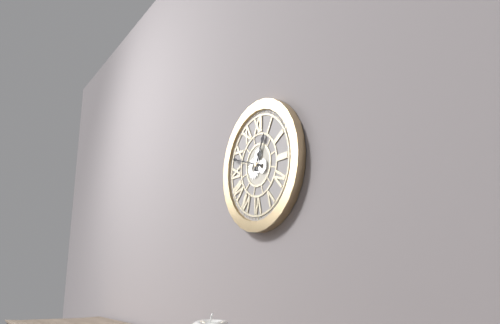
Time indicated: 12:48
